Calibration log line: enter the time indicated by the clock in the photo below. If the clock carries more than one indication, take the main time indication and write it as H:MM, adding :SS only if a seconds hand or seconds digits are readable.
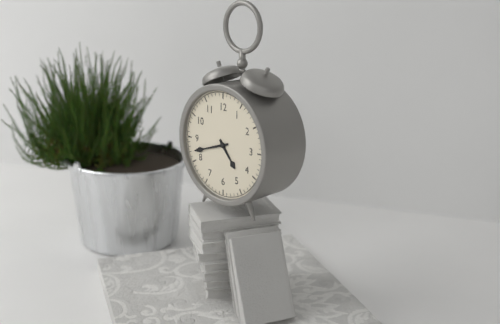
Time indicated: 4:42
